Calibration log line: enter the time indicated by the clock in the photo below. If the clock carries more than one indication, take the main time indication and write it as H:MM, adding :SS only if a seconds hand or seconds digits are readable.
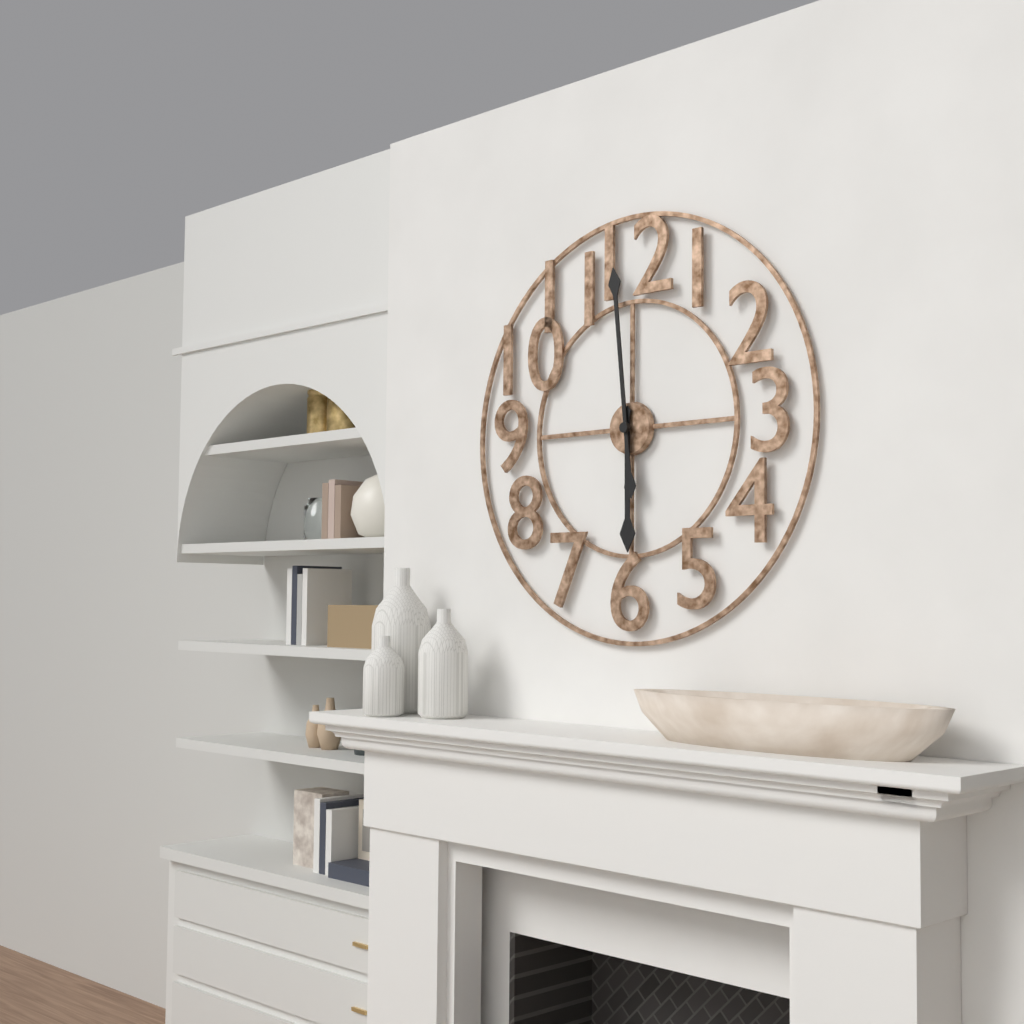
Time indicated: 5:59
